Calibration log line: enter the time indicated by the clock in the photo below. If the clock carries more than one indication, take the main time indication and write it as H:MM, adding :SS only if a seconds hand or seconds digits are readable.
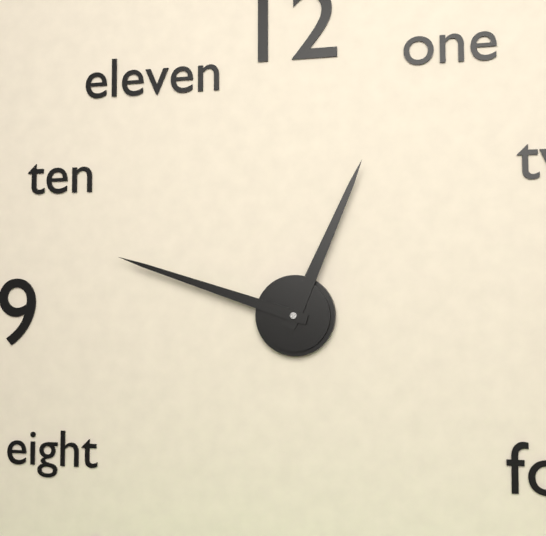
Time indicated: 12:48
